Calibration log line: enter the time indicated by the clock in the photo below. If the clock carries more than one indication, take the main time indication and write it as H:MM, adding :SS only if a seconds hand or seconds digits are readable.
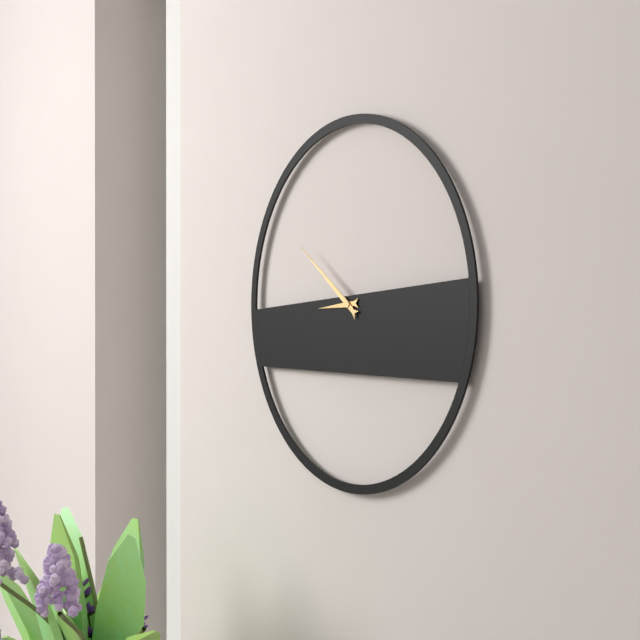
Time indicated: 8:51
